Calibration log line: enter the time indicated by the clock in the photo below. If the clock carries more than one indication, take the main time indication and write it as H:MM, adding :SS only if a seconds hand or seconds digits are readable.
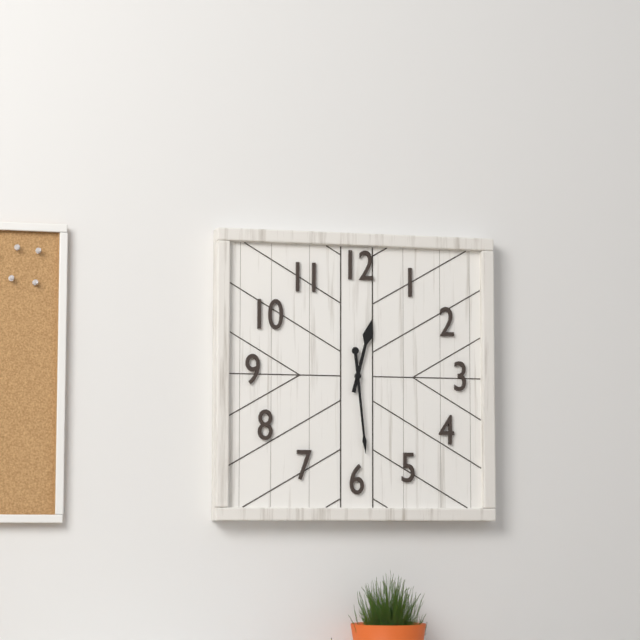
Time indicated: 12:29
